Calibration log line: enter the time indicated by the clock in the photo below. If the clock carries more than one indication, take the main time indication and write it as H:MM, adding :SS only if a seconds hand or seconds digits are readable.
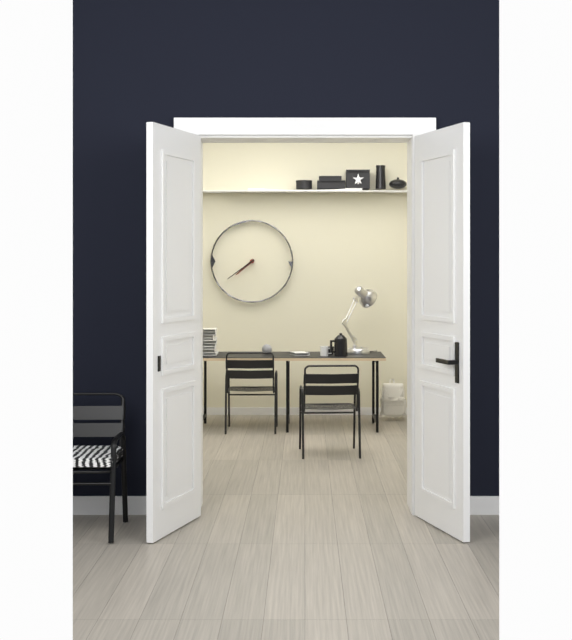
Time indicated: 7:39
